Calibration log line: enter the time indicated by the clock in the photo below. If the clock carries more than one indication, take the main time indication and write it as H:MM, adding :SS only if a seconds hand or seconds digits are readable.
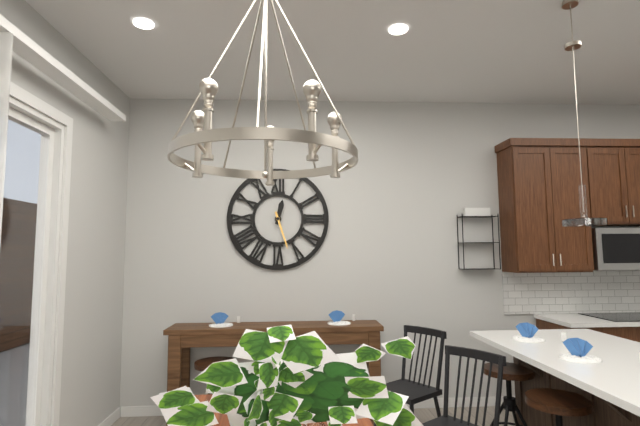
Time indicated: 12:27
